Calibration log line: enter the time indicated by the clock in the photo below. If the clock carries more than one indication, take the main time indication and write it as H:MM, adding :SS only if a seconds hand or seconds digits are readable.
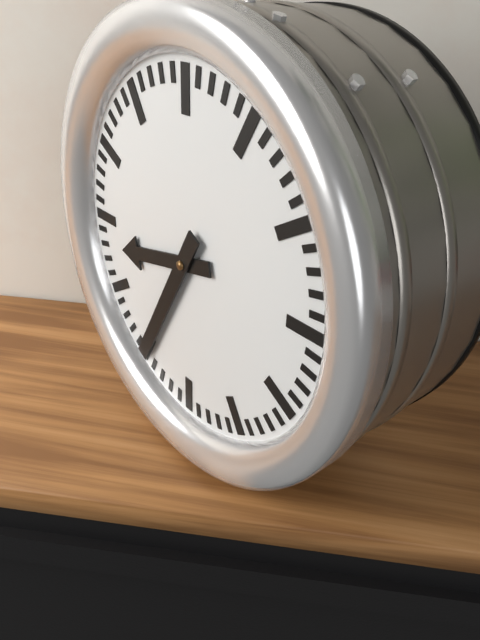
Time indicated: 8:35
